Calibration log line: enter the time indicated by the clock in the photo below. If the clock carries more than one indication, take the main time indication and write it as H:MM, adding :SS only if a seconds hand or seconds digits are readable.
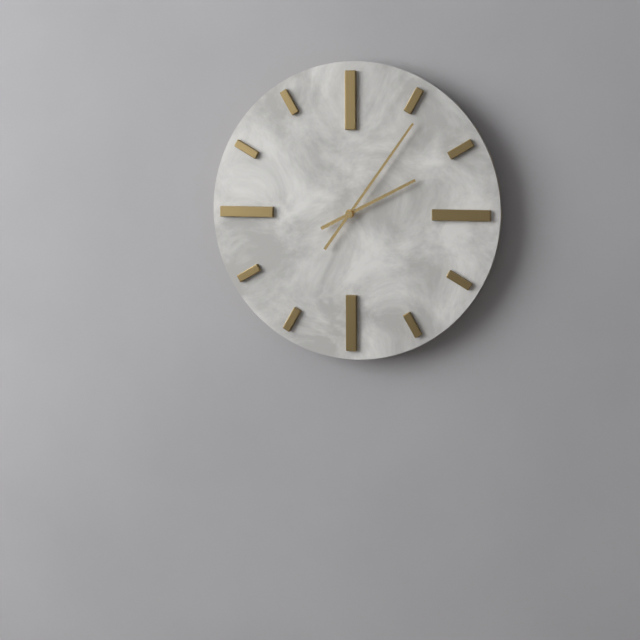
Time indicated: 2:06
